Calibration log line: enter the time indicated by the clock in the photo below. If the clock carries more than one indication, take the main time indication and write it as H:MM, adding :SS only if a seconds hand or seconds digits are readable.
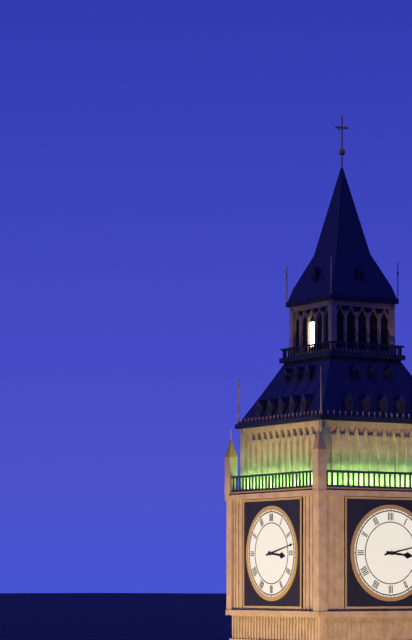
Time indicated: 3:13
